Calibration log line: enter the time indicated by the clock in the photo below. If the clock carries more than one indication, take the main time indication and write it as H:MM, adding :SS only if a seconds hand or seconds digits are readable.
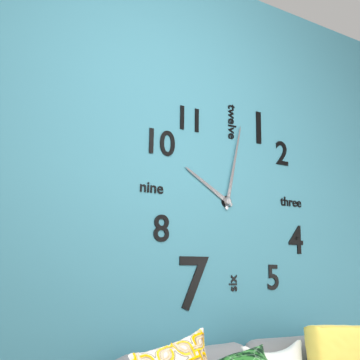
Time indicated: 10:02
